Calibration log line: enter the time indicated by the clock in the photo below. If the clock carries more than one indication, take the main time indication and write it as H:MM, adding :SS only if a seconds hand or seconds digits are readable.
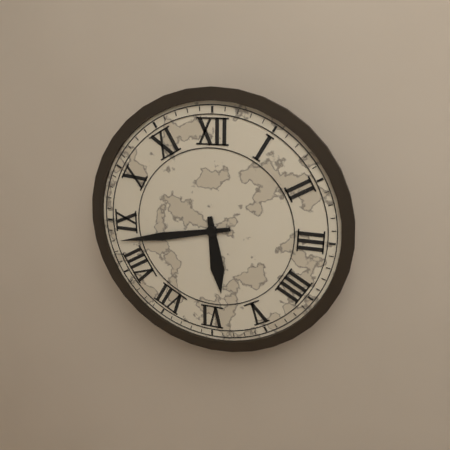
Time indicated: 5:43
